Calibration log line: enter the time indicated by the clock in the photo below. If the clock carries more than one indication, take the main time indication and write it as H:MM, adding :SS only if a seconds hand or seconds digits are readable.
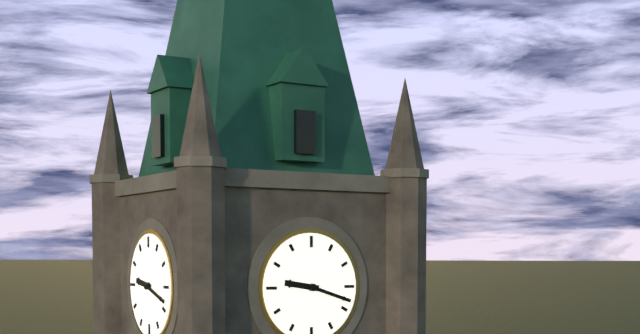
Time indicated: 9:18
